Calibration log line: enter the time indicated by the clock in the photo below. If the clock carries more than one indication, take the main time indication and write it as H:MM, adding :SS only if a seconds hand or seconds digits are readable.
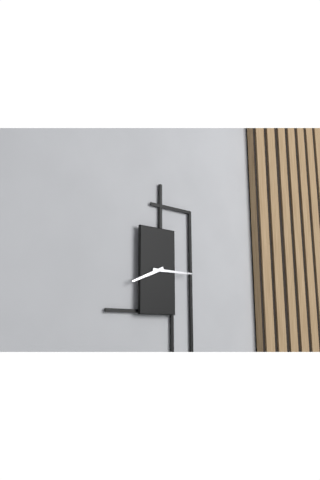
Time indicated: 8:15
